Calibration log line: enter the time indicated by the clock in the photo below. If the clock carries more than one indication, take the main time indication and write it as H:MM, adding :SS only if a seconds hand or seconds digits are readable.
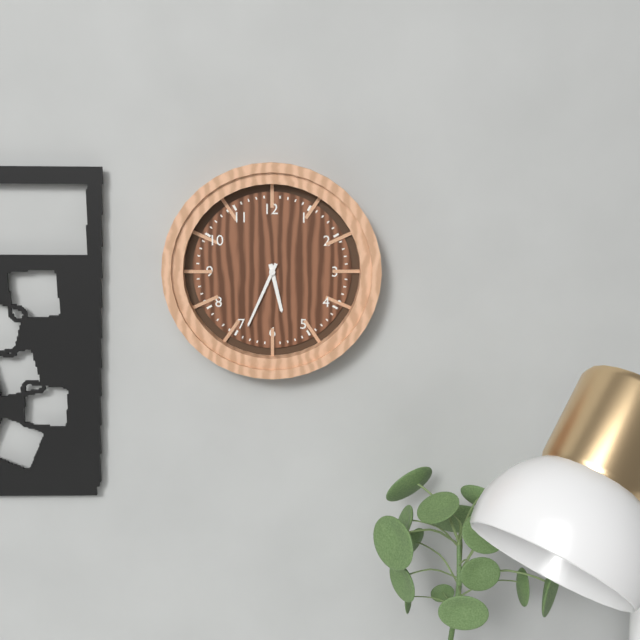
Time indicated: 5:34
